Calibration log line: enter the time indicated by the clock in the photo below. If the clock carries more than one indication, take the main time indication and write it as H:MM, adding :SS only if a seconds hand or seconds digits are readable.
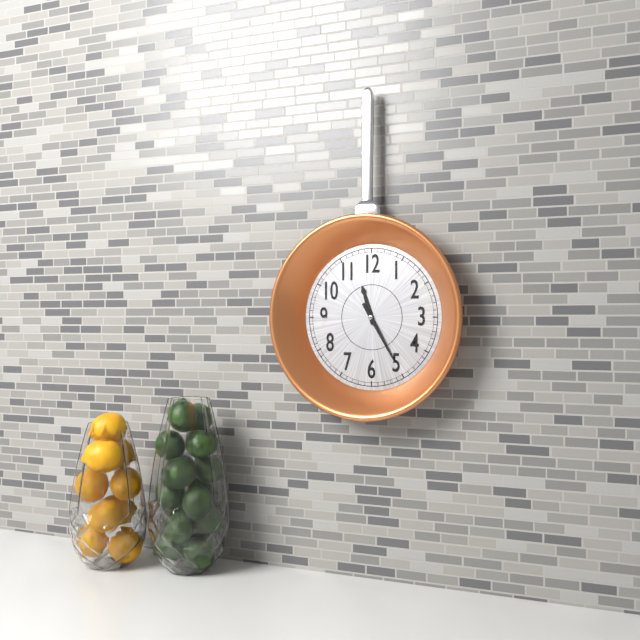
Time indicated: 11:25
